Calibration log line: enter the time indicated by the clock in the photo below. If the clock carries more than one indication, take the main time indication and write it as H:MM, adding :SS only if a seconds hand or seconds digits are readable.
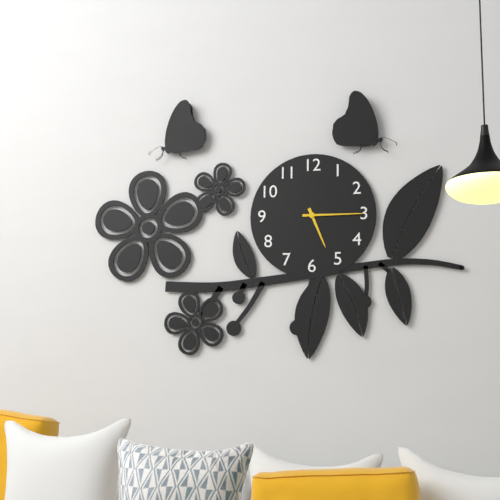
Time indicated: 5:15
